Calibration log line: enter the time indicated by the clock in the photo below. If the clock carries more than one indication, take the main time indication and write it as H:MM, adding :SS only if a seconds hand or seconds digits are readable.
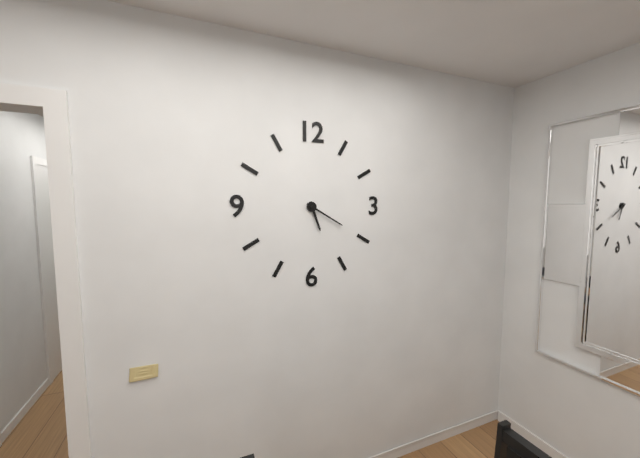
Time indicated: 5:20
